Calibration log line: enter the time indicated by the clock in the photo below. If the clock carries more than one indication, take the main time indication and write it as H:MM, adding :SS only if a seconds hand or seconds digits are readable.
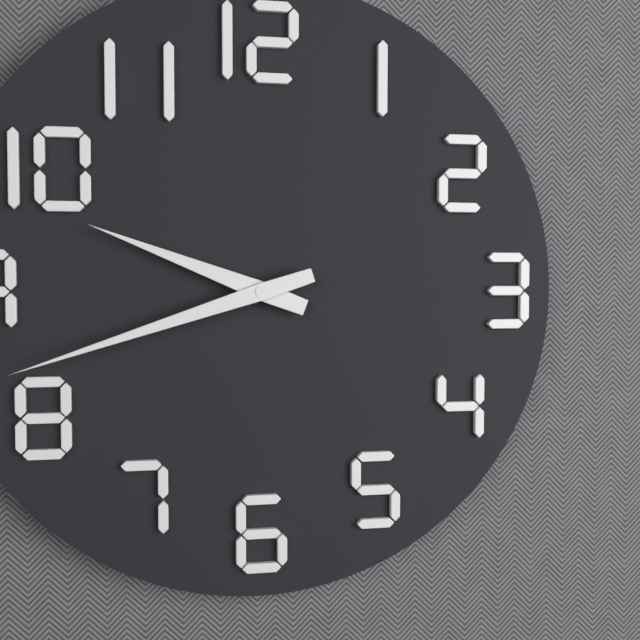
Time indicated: 9:42
